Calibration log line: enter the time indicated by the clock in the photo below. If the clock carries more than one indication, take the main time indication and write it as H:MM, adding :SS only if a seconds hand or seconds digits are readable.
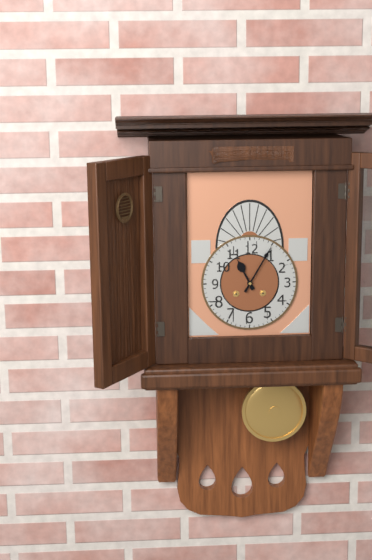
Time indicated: 11:05
